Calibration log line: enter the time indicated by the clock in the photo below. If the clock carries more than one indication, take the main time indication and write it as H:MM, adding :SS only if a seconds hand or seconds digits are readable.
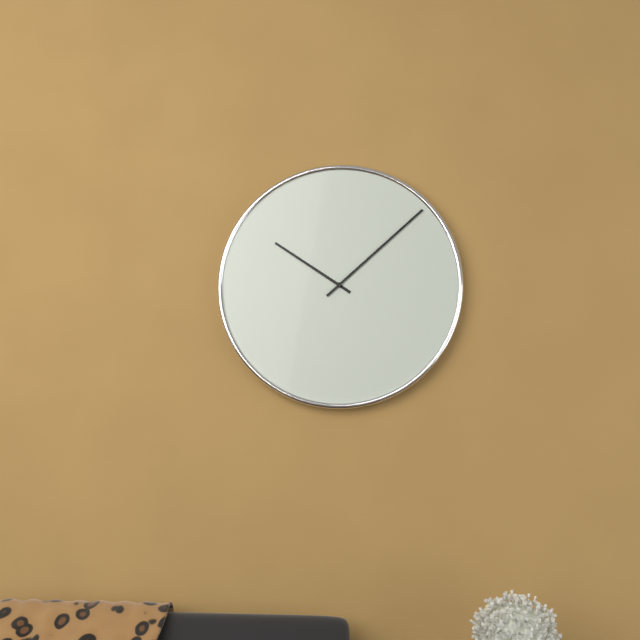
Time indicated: 10:08
